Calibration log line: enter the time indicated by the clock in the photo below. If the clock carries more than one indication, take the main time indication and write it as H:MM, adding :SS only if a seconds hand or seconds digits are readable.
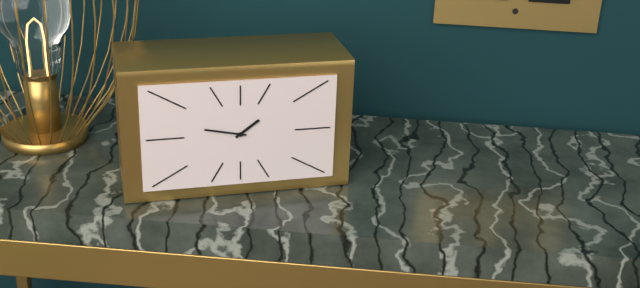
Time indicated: 1:47
